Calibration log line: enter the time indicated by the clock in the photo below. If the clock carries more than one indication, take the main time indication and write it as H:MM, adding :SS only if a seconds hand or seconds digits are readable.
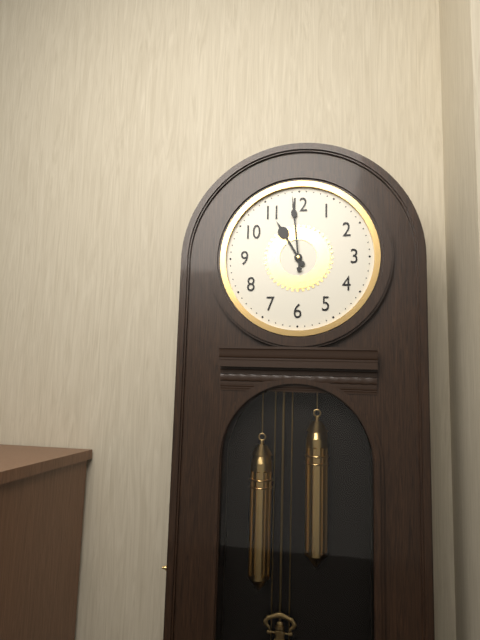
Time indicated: 10:59
